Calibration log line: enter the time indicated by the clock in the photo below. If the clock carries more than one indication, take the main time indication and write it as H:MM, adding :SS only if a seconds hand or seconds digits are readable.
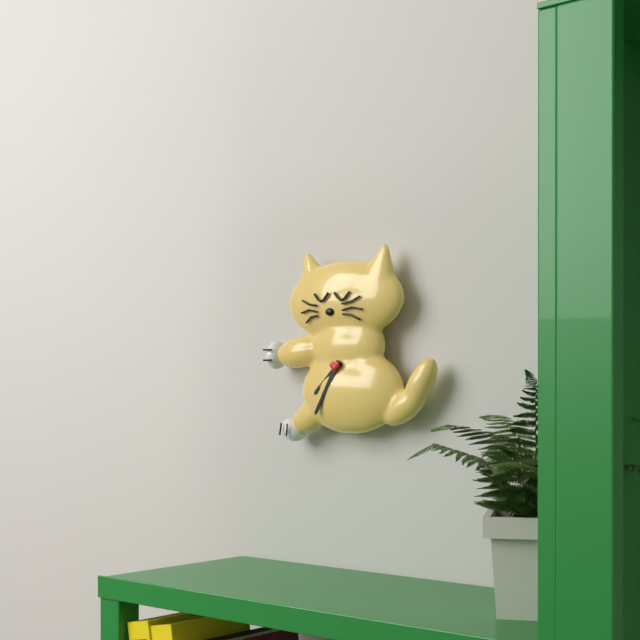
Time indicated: 7:35
